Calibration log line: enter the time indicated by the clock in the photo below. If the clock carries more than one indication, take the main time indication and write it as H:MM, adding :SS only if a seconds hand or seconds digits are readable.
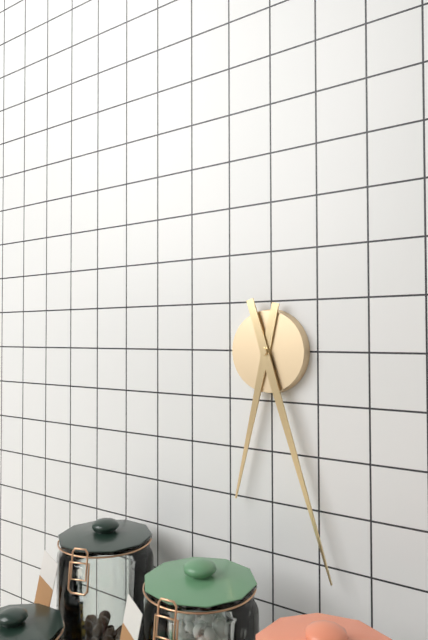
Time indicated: 6:27
